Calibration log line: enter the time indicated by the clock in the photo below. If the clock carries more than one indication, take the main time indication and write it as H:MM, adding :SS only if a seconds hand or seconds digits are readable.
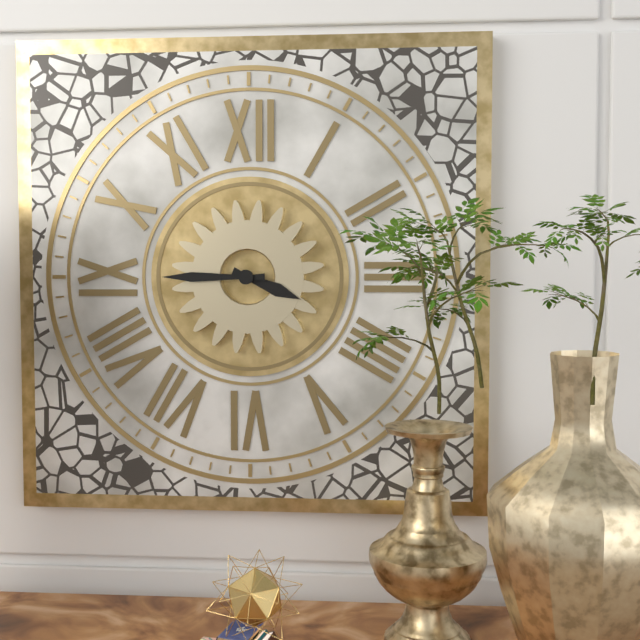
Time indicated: 3:45
